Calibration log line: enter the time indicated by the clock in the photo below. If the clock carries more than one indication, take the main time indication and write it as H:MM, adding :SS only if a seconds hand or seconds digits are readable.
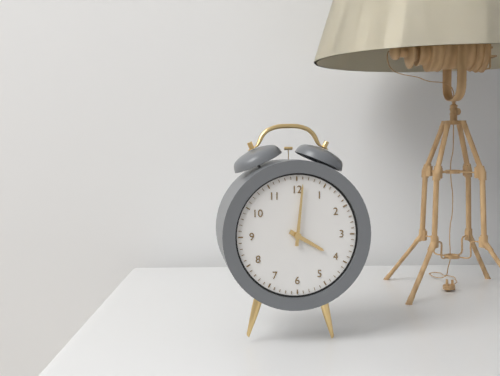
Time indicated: 4:01
